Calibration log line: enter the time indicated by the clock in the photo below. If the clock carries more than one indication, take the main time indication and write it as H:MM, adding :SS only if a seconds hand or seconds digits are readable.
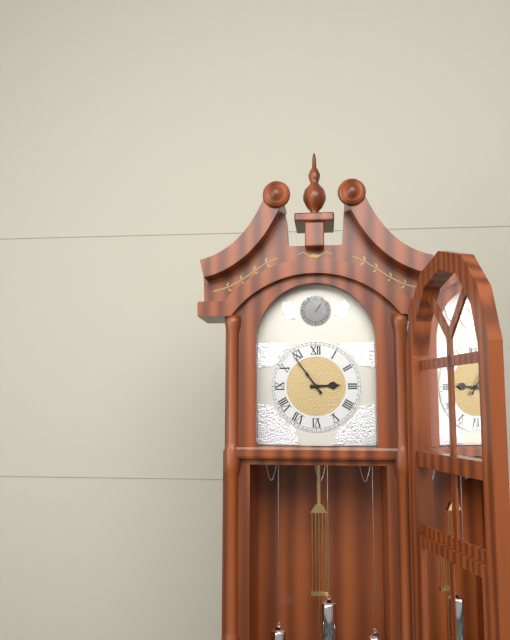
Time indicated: 2:54
